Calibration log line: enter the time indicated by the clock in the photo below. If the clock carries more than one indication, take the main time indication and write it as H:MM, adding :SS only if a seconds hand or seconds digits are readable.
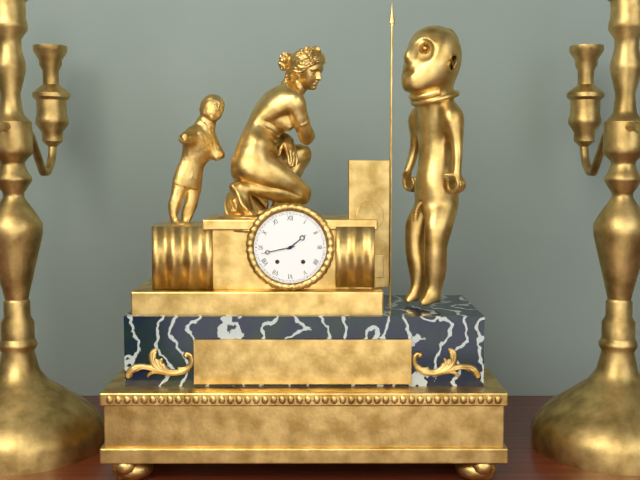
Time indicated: 1:43
